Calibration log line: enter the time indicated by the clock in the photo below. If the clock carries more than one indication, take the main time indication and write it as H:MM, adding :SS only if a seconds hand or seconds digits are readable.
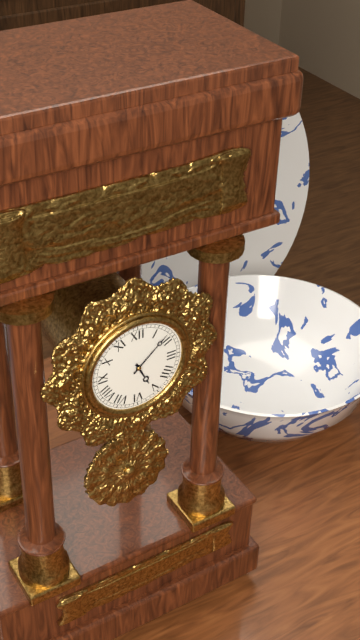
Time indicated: 5:08
